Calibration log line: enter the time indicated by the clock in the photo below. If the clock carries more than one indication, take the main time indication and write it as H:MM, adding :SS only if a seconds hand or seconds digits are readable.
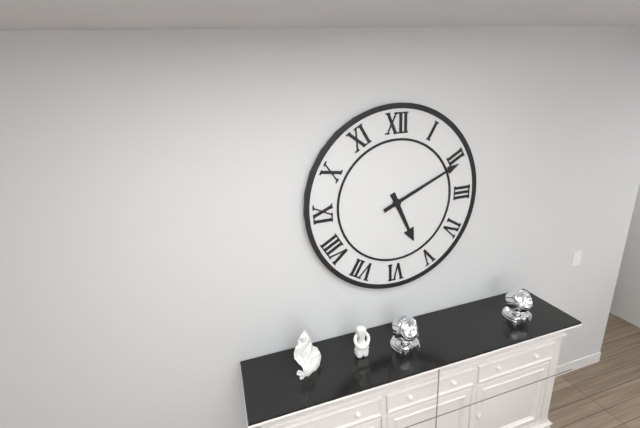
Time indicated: 5:11
